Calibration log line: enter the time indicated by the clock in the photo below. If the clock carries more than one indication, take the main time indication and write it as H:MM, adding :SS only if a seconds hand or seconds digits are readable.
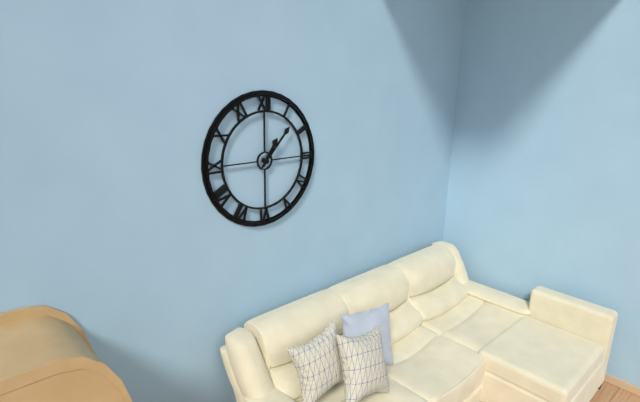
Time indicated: 1:07
